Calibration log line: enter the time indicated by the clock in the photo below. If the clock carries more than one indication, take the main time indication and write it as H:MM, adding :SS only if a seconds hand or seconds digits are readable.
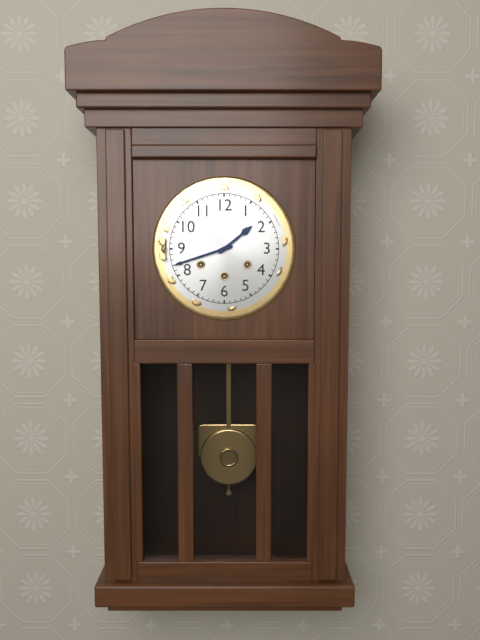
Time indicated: 1:42
